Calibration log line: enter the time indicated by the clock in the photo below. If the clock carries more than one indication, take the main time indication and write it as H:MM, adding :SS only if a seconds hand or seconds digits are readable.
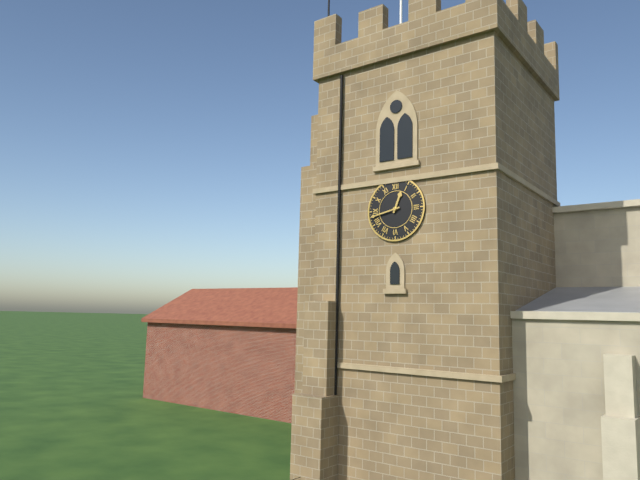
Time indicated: 12:43
